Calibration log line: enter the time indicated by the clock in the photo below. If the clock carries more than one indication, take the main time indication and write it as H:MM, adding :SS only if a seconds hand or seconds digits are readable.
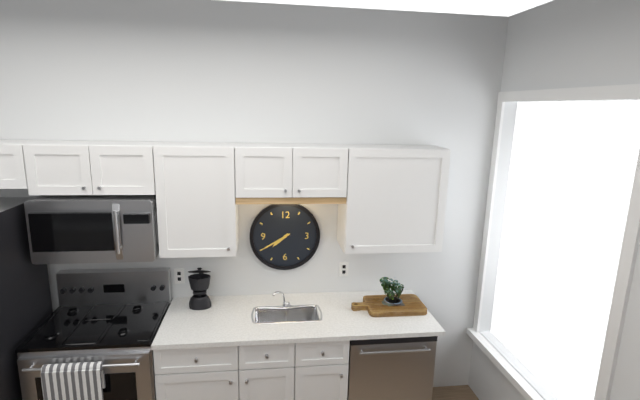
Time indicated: 7:40
